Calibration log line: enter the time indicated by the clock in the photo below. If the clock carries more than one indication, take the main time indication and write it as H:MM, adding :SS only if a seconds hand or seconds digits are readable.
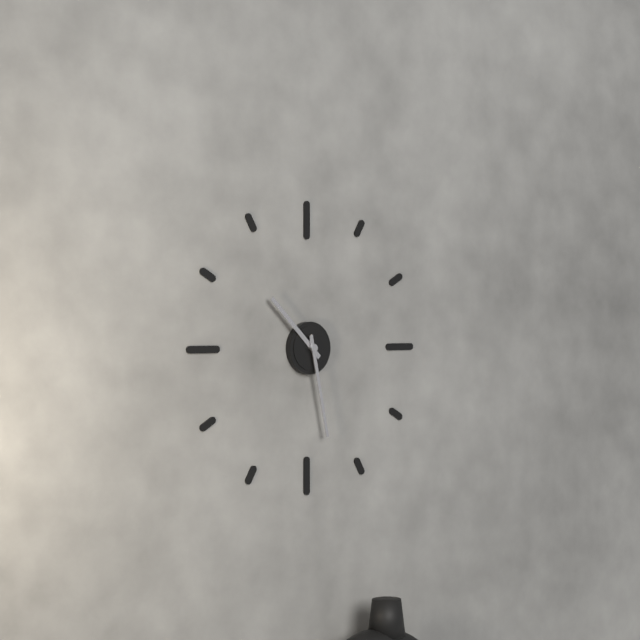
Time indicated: 10:28
